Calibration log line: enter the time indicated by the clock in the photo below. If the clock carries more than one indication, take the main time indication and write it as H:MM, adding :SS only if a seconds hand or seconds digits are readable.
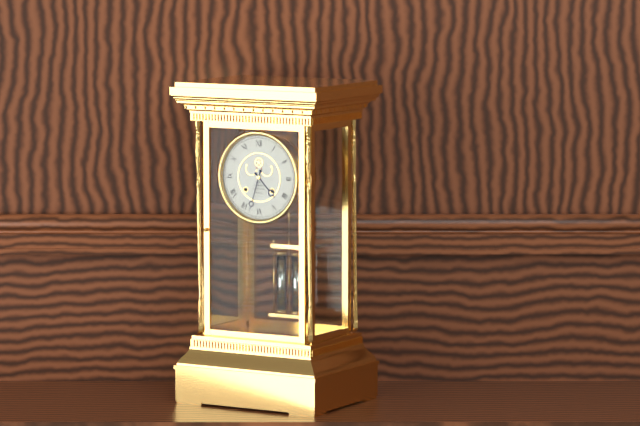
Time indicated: 4:33
